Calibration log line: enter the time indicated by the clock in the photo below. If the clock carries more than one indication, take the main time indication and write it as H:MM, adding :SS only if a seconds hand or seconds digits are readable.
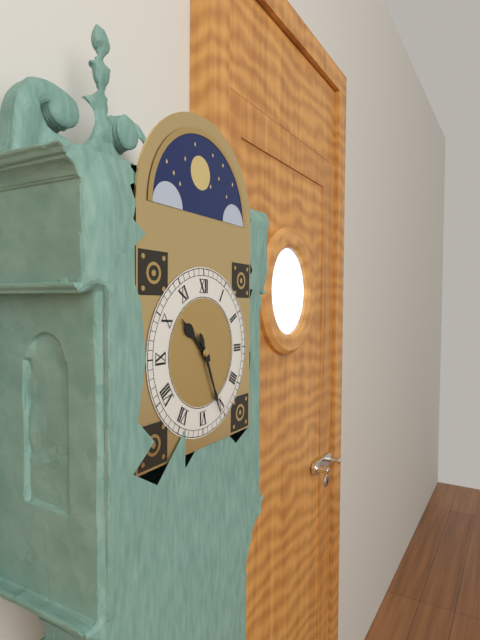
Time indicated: 10:26
